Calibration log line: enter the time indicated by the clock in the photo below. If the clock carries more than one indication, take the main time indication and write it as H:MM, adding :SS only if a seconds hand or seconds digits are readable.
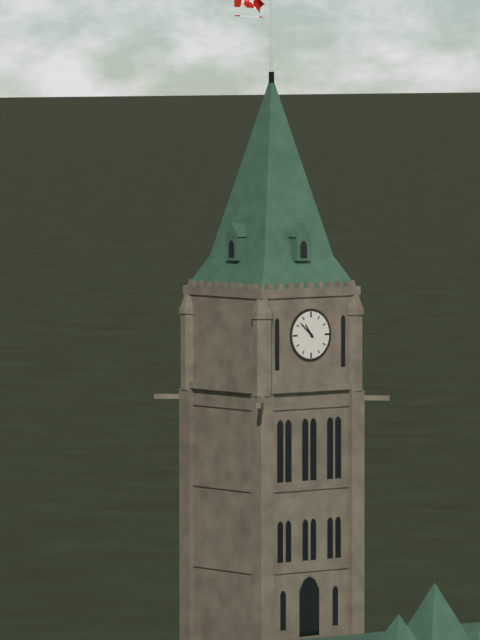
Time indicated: 10:52
